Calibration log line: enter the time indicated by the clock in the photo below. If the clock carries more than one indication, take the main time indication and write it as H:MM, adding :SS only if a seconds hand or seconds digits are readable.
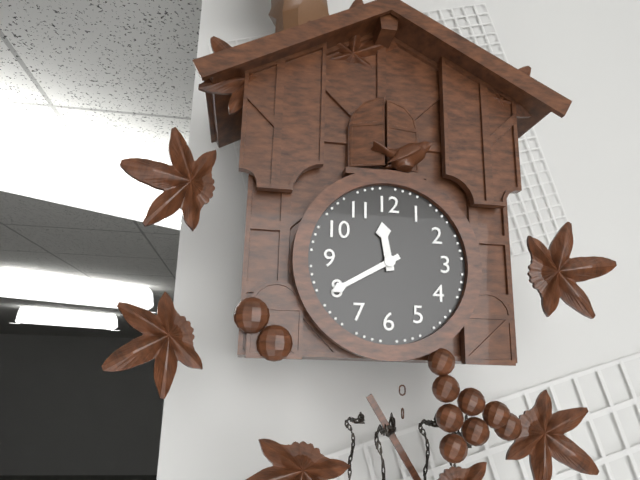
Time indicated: 11:40
